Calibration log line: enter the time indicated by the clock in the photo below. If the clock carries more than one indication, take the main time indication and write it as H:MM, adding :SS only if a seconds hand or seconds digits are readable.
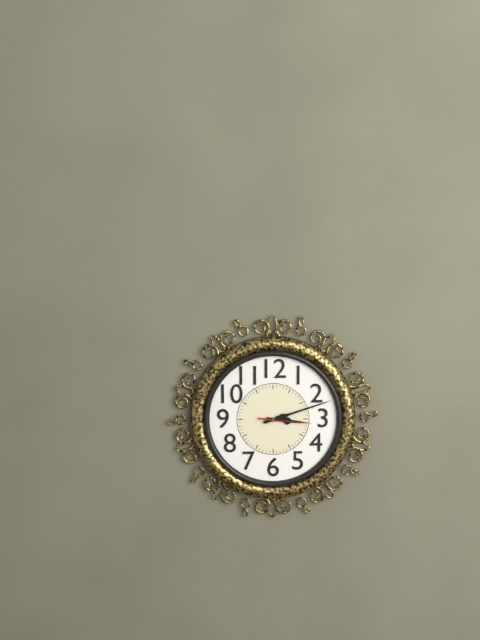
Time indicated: 3:12
